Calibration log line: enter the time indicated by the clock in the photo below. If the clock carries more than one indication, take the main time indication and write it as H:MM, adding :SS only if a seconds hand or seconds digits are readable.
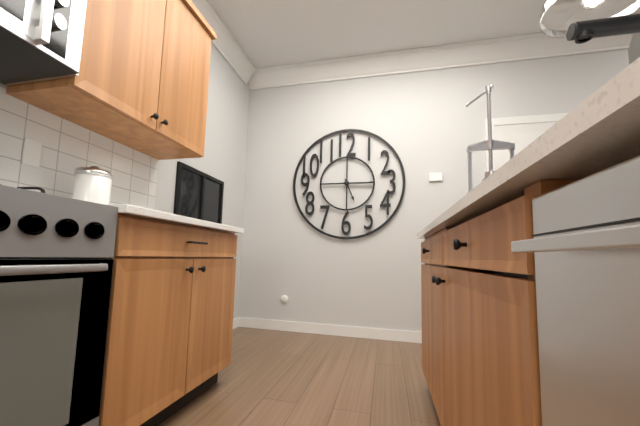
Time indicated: 5:15
